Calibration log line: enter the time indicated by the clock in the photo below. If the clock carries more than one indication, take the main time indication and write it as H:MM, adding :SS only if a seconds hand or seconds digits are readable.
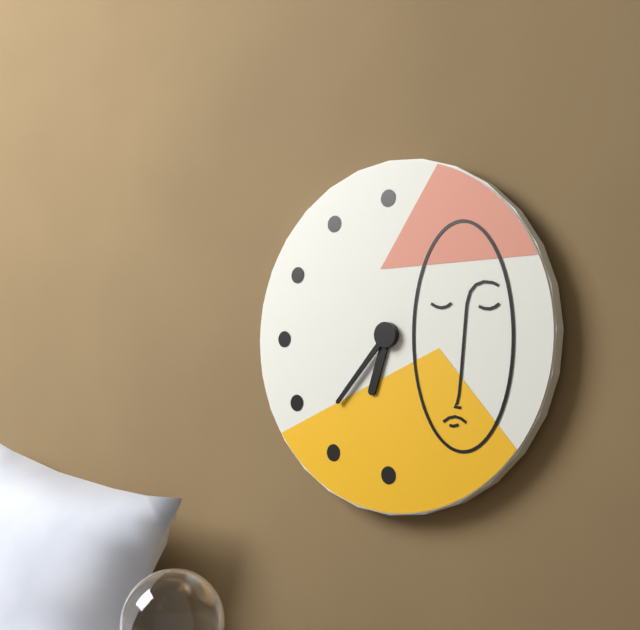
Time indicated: 6:37
